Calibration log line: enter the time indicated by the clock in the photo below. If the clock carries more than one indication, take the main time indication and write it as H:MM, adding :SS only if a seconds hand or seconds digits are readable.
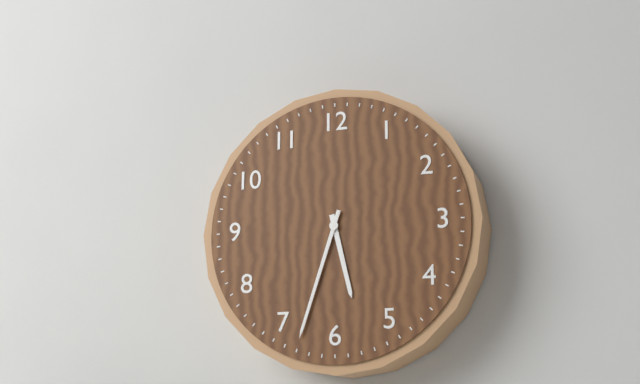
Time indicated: 5:33
